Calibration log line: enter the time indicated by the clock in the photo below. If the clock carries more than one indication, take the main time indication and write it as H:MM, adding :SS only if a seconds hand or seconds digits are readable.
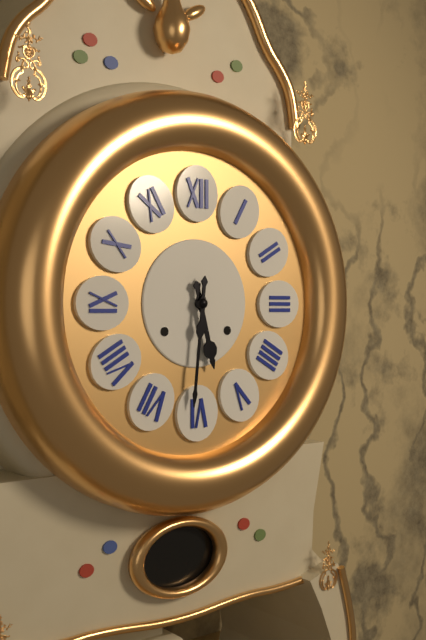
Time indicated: 5:31
